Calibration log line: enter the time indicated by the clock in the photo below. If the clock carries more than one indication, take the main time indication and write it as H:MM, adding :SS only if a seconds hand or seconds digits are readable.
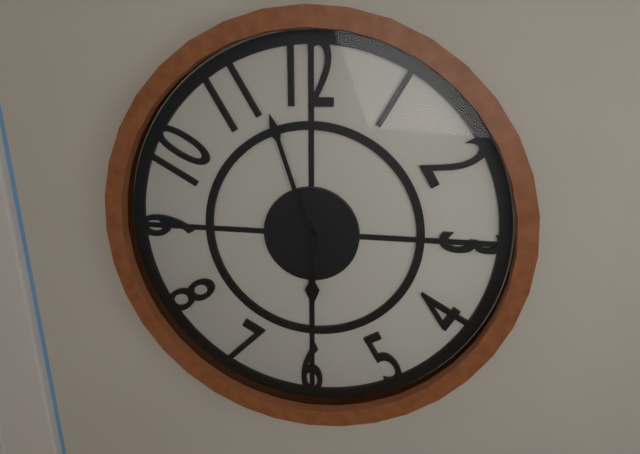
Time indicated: 5:57
